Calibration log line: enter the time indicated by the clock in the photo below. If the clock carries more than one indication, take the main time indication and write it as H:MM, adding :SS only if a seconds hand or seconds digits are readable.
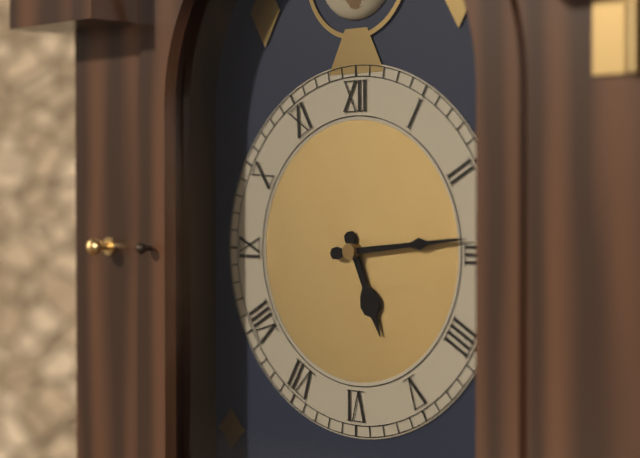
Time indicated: 5:14
